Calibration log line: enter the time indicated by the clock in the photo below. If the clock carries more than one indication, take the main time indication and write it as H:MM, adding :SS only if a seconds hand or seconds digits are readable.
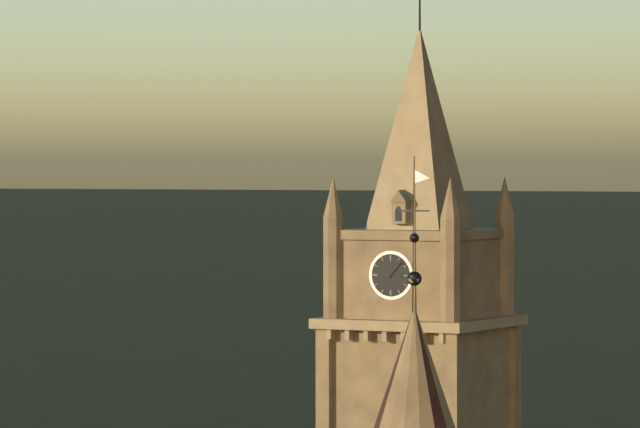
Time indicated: 3:07
